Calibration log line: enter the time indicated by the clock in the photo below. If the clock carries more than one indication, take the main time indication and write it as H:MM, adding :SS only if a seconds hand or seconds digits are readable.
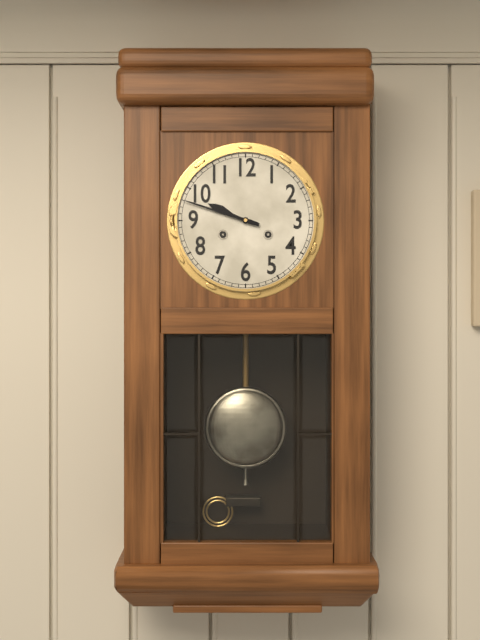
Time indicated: 9:48
